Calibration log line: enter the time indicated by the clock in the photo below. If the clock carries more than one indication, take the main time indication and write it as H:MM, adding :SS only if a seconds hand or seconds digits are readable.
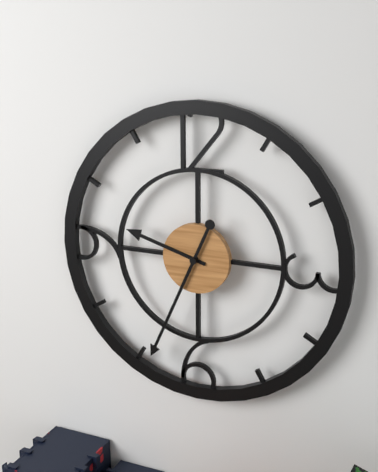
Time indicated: 9:34
